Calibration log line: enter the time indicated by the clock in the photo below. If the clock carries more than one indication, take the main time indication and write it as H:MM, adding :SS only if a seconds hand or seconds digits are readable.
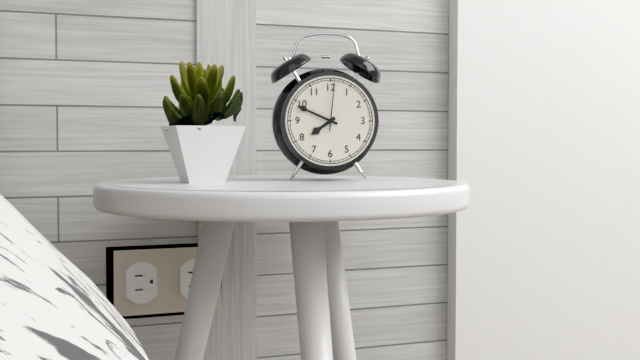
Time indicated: 7:49
